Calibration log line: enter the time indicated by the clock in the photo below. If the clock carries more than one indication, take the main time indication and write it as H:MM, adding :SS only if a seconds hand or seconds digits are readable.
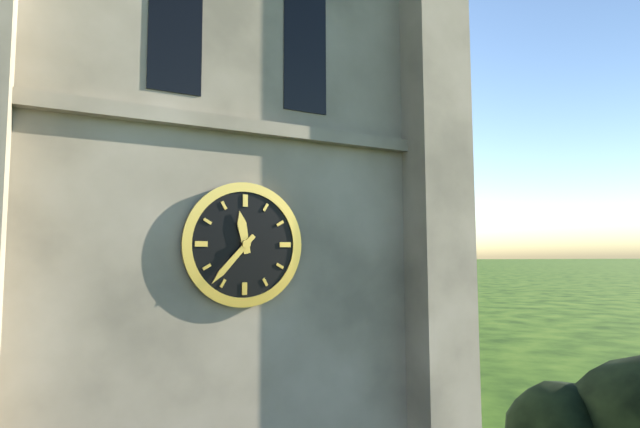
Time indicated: 11:37
